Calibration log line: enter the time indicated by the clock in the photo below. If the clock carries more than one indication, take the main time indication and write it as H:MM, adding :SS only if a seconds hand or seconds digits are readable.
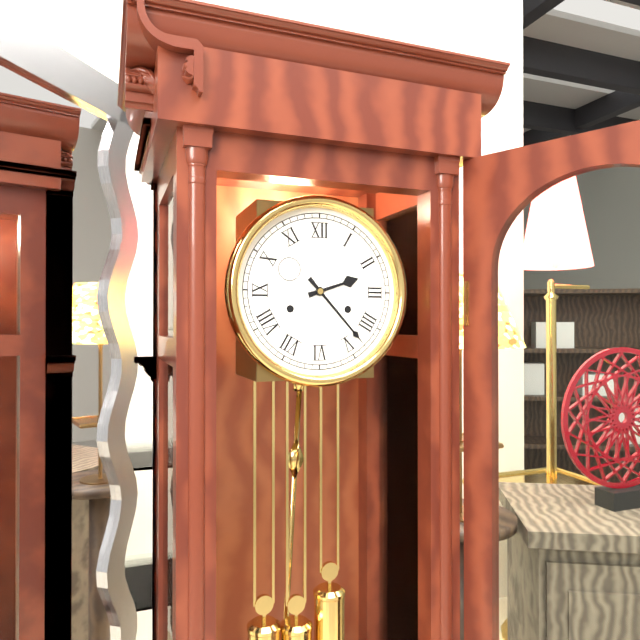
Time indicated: 2:23
